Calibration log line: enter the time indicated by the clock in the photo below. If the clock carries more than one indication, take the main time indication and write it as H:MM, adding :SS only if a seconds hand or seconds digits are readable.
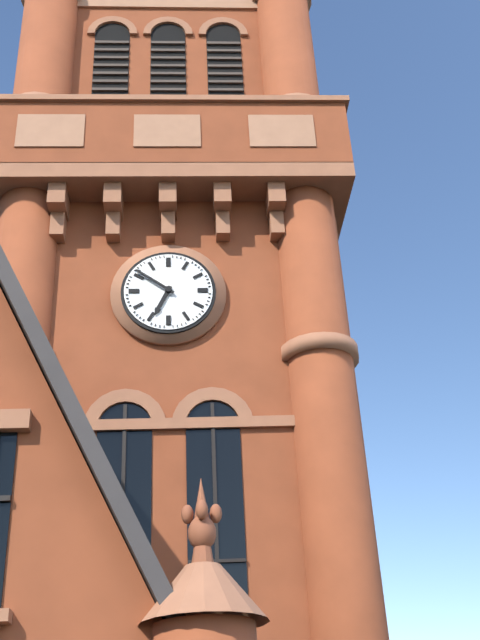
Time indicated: 6:51
